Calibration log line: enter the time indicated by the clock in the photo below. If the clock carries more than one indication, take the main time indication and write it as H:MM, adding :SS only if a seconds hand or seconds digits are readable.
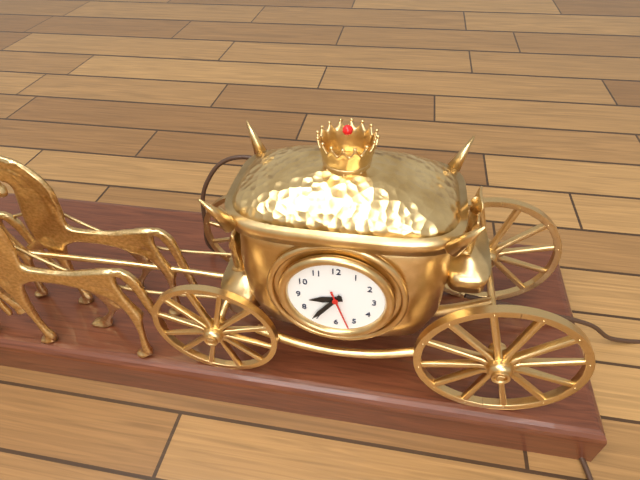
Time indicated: 8:36
